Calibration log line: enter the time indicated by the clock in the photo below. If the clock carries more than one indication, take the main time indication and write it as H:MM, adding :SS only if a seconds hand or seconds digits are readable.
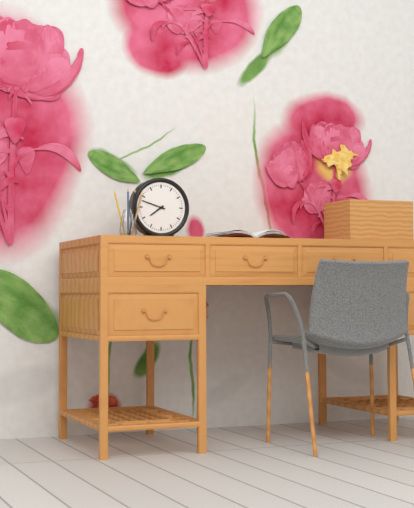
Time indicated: 7:48
